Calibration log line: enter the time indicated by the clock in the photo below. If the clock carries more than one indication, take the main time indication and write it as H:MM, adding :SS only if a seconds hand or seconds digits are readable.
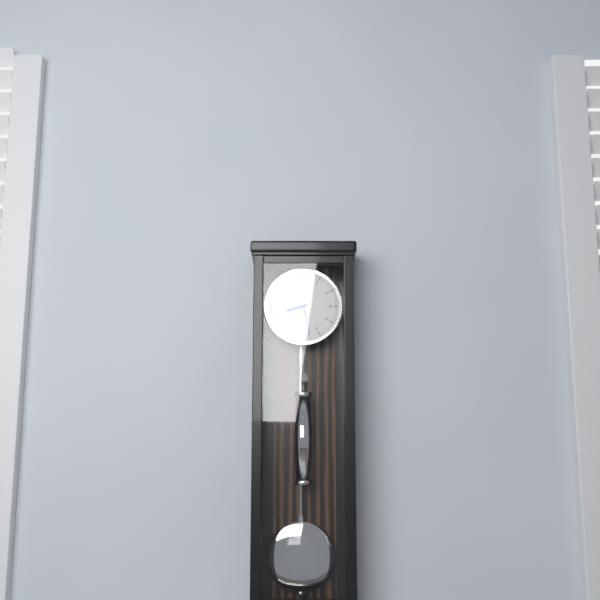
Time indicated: 8:28
